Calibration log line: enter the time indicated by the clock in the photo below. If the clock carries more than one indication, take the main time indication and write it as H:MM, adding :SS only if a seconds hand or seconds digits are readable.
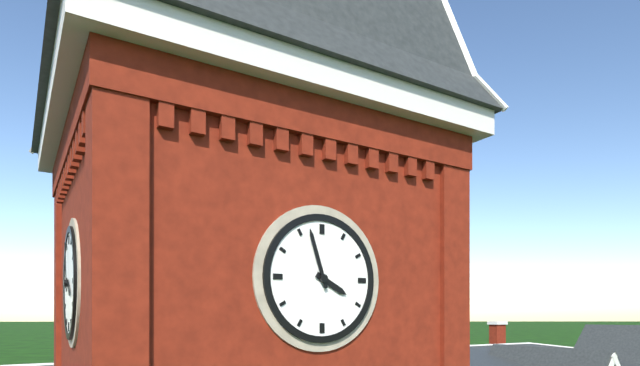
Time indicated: 3:57
